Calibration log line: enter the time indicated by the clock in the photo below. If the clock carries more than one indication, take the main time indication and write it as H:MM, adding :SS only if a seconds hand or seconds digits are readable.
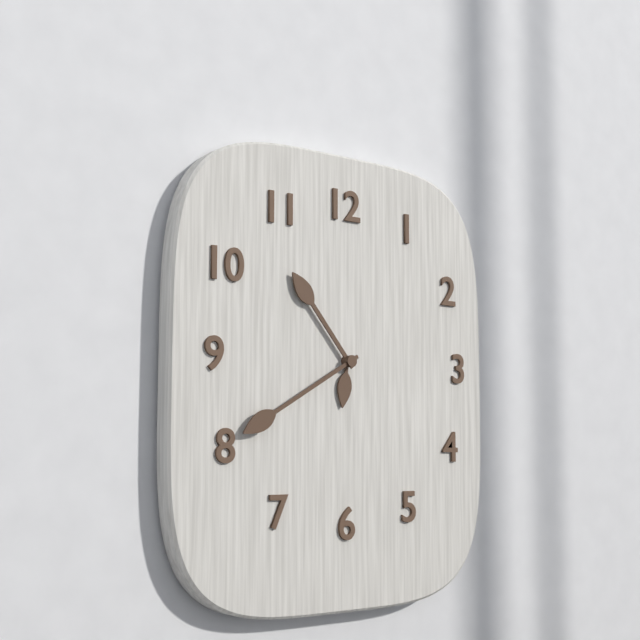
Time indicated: 10:40
